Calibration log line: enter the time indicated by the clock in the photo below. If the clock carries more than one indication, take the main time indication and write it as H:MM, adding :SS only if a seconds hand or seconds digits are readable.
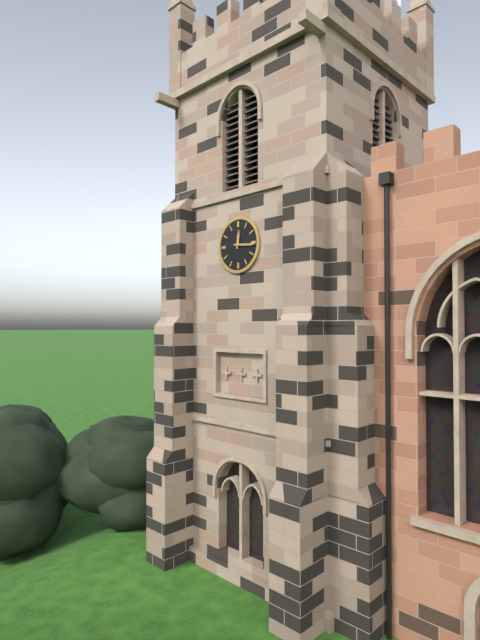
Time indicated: 12:16
